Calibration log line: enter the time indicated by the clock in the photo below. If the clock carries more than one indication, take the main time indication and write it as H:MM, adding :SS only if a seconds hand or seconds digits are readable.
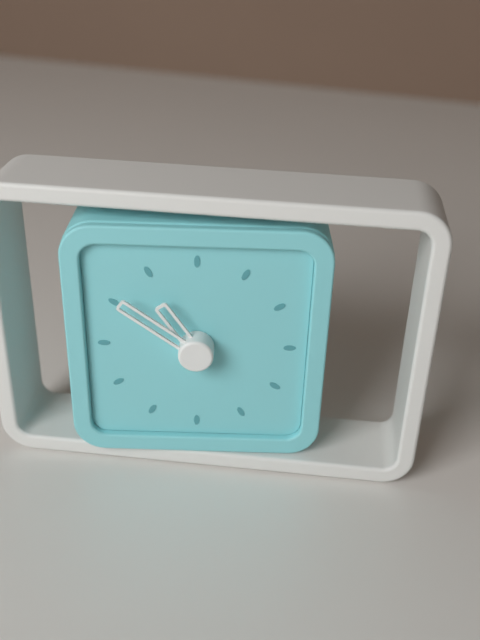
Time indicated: 10:51
